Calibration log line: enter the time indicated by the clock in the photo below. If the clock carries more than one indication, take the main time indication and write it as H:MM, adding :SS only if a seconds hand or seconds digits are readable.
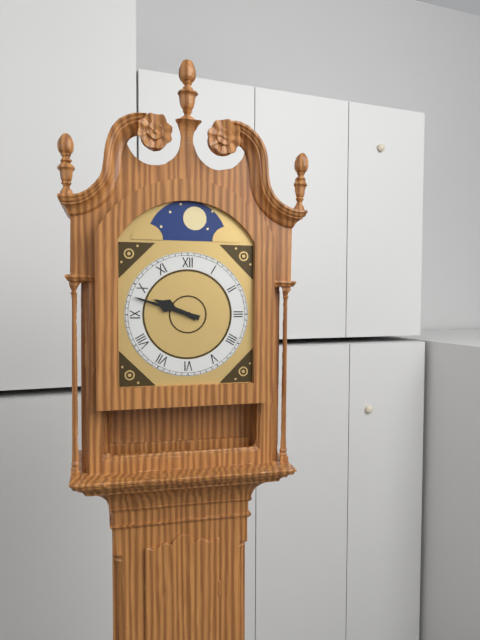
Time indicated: 9:48
